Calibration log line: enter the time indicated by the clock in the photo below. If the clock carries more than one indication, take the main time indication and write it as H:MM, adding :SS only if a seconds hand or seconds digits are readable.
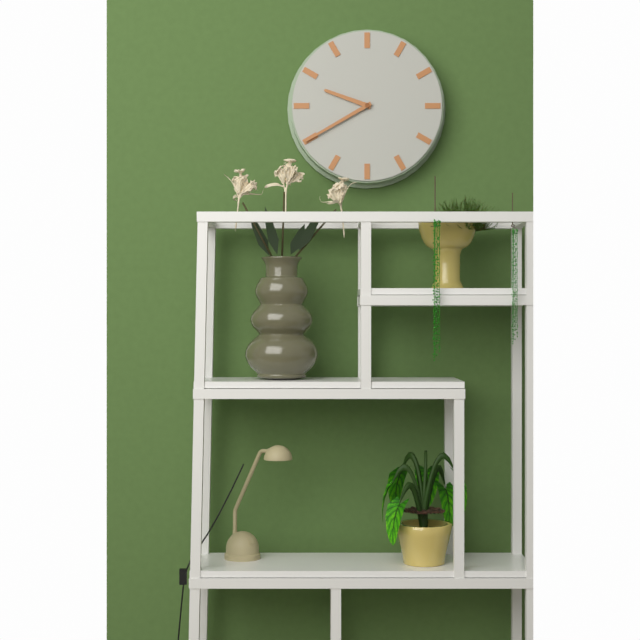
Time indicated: 9:40
